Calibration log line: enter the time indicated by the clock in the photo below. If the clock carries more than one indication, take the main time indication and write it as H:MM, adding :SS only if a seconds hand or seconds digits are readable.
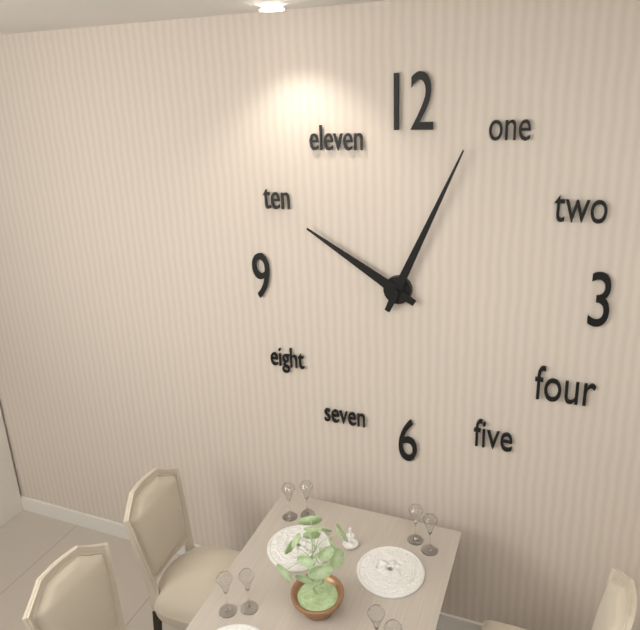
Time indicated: 10:04
